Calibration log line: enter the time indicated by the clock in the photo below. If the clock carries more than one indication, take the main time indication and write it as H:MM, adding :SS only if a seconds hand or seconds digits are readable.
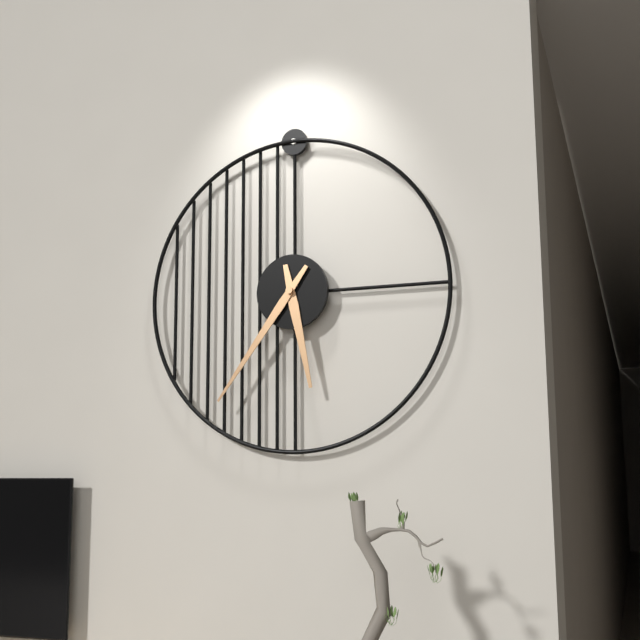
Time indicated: 5:36
